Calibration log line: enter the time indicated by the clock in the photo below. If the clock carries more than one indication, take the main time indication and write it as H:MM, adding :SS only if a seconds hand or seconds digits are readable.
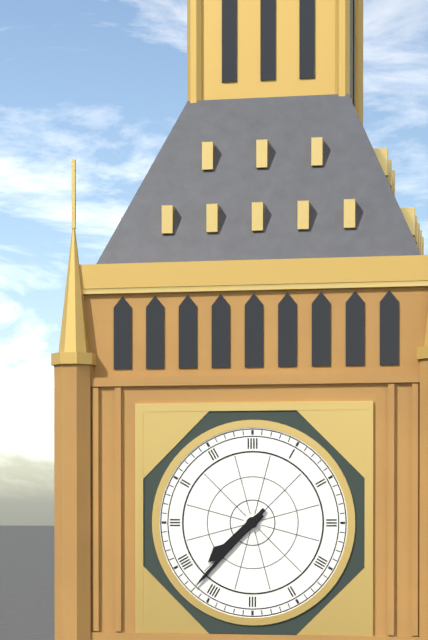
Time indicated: 7:37
